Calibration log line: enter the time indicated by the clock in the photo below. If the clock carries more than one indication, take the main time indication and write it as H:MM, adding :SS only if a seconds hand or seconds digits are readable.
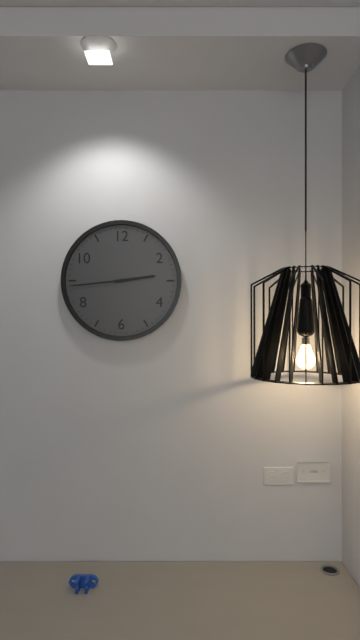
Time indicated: 2:44
